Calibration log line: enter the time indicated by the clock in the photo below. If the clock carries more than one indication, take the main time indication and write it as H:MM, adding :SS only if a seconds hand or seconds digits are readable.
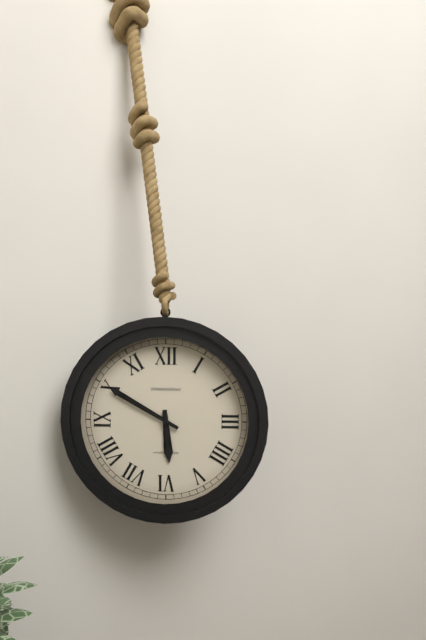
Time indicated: 5:50
